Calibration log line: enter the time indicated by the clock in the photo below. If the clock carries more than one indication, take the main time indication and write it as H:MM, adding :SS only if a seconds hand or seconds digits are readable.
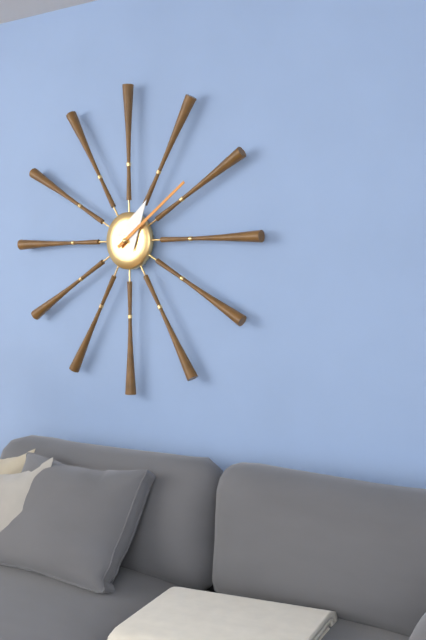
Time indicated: 1:09
